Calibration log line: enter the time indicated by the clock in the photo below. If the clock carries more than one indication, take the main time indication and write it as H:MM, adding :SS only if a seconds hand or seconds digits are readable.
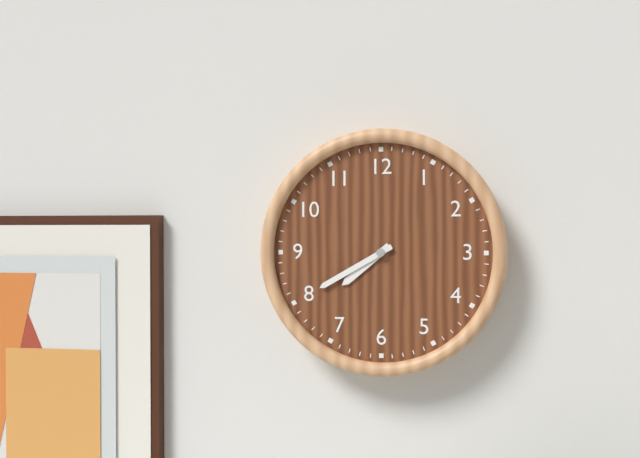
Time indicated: 7:40
